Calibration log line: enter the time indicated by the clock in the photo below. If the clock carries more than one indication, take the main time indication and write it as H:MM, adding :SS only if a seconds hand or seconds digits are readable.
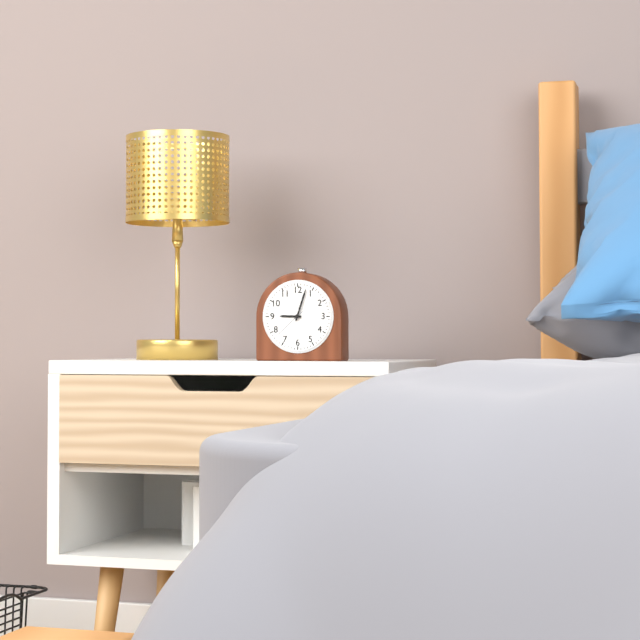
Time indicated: 9:03
